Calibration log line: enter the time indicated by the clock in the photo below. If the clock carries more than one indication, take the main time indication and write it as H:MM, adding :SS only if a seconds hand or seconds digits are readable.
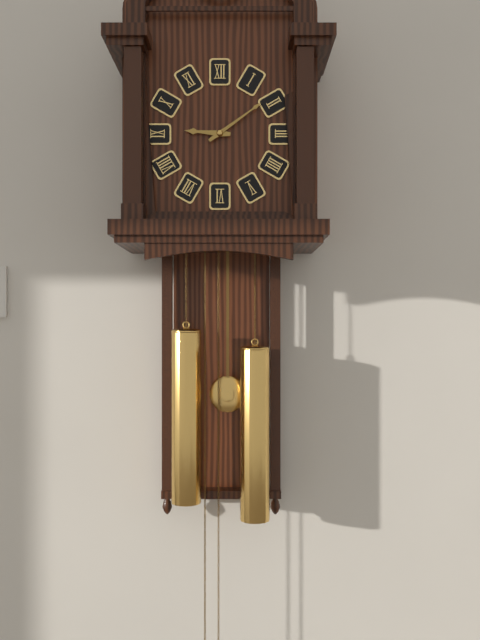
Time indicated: 9:09
